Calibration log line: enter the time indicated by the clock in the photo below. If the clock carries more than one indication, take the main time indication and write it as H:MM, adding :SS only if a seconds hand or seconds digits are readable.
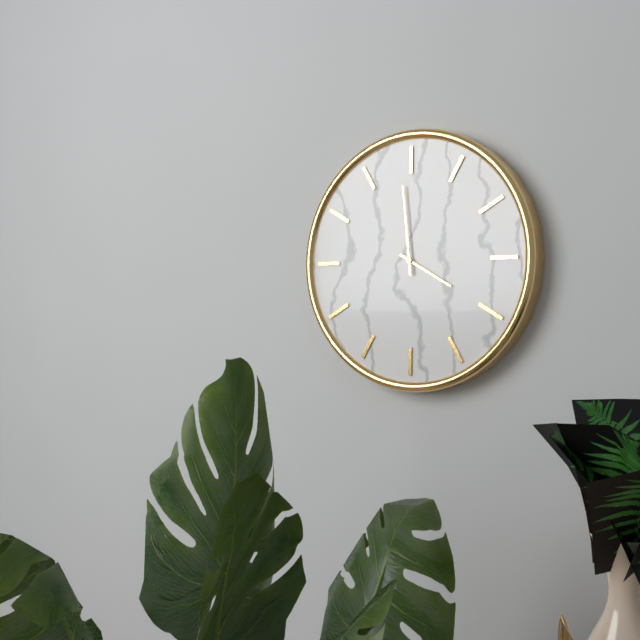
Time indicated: 3:59
